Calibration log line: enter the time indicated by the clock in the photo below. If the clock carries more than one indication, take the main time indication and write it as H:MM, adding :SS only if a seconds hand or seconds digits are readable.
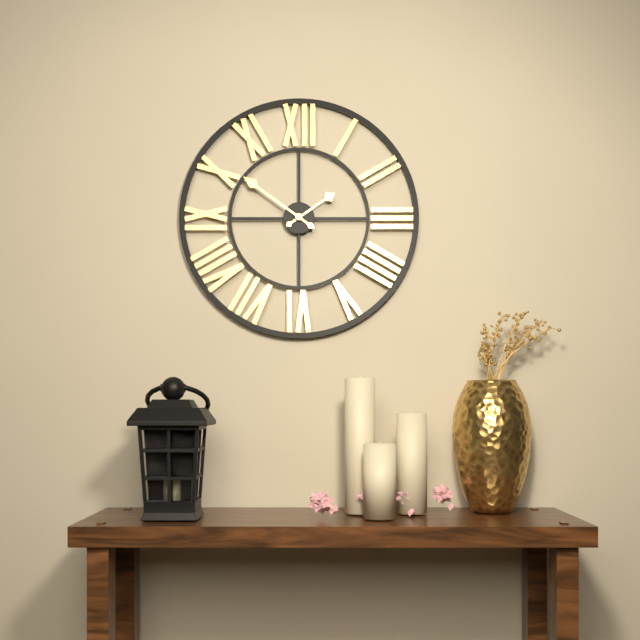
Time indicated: 1:51
